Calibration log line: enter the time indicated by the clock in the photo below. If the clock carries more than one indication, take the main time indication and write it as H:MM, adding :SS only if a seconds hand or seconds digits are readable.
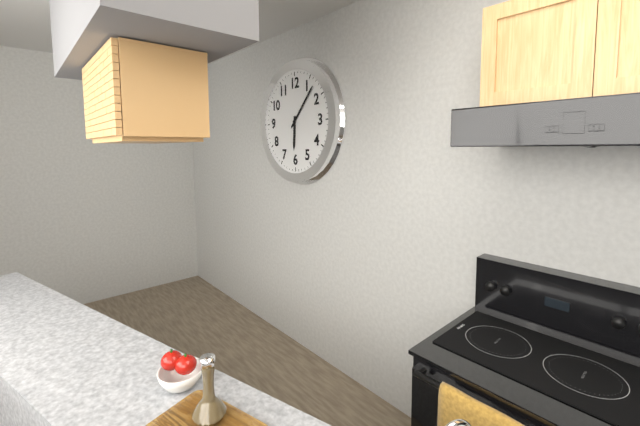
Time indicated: 6:07
